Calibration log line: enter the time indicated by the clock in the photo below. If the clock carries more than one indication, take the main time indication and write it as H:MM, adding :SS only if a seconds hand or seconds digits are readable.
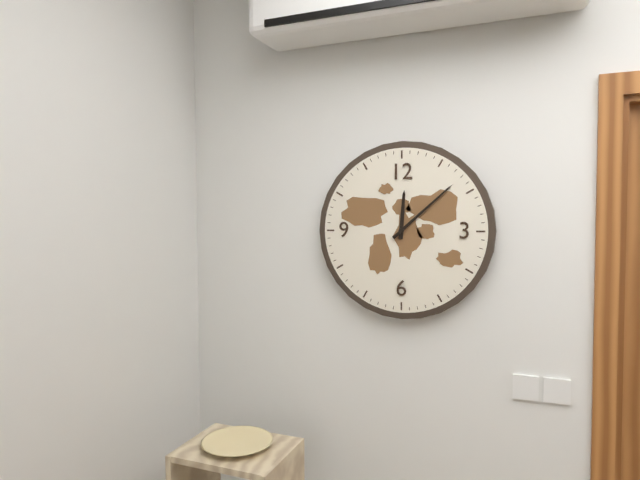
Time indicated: 12:08
